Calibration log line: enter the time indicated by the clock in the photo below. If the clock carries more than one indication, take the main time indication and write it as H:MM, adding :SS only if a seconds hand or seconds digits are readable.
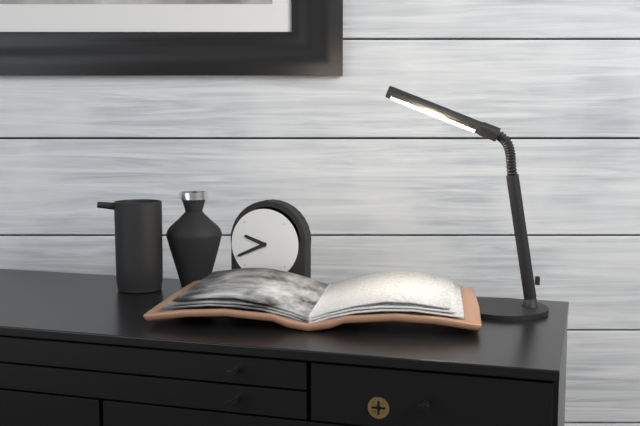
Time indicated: 9:41
